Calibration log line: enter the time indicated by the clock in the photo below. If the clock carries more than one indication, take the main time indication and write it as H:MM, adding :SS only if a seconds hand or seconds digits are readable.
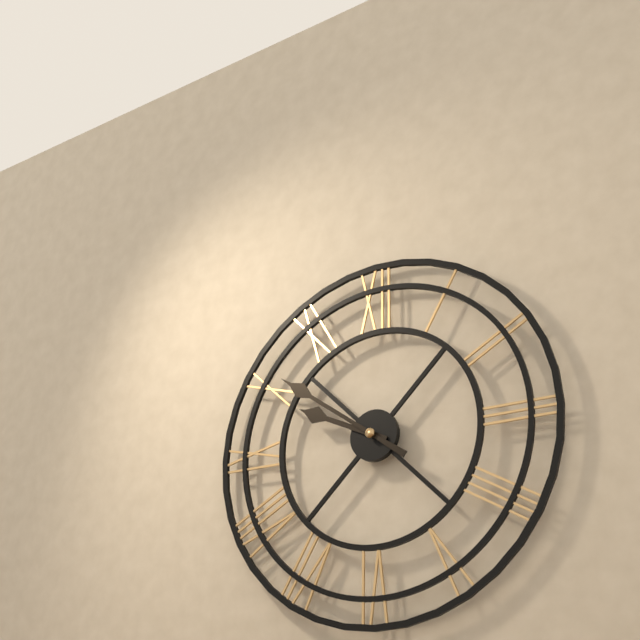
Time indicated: 9:51
